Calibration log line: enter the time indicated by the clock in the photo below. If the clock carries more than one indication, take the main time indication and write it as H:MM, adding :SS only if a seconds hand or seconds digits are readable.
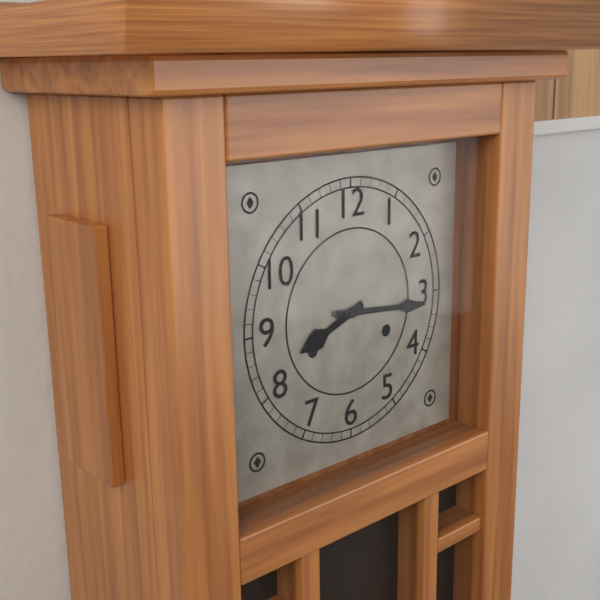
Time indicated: 8:16
